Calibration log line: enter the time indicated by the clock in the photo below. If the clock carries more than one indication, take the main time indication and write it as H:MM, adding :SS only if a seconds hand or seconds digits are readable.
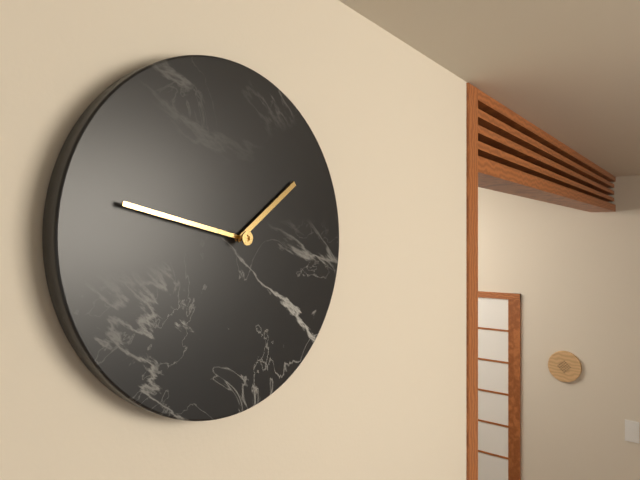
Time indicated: 1:47
